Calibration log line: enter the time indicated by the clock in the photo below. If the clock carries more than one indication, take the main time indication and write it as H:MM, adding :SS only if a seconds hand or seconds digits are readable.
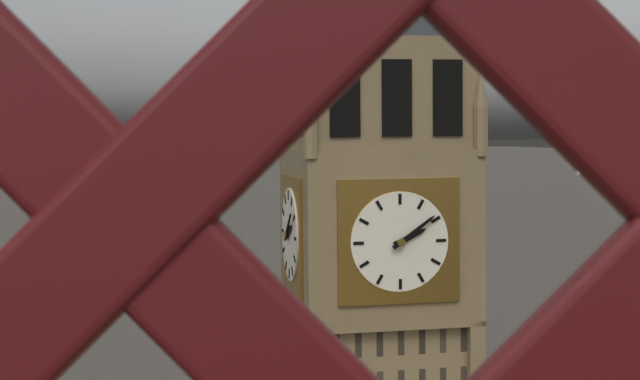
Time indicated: 2:09
